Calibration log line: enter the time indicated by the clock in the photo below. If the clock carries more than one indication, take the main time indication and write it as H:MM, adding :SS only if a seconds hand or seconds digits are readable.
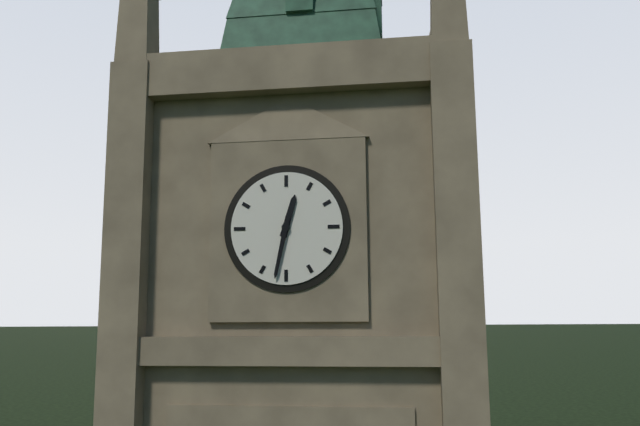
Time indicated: 12:32
